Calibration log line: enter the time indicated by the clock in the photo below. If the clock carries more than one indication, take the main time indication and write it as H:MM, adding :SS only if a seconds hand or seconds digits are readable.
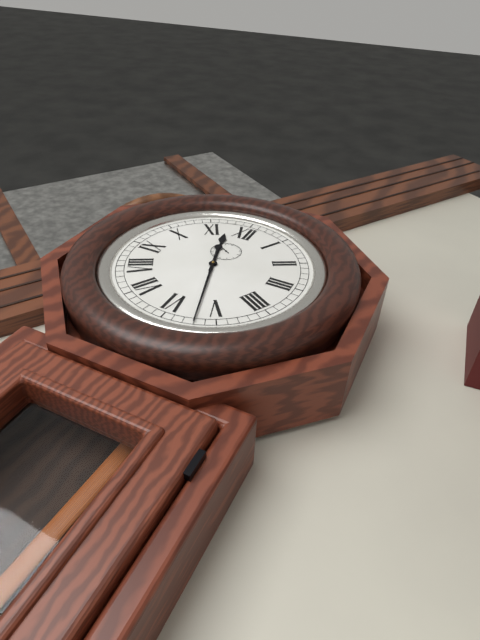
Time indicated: 11:27
